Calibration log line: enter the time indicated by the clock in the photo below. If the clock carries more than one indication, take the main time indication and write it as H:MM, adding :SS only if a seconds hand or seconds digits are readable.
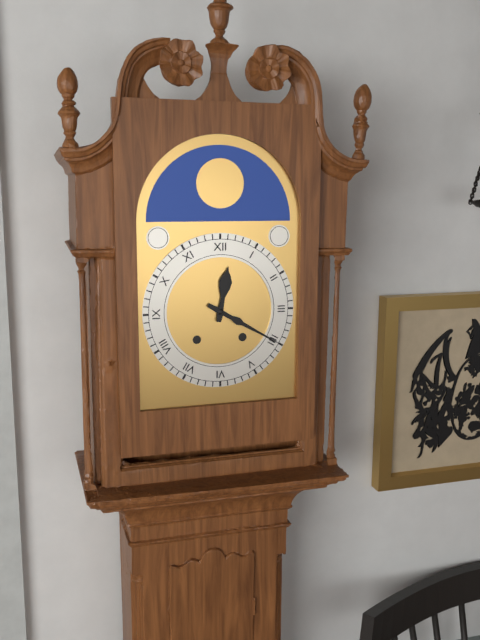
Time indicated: 12:20
